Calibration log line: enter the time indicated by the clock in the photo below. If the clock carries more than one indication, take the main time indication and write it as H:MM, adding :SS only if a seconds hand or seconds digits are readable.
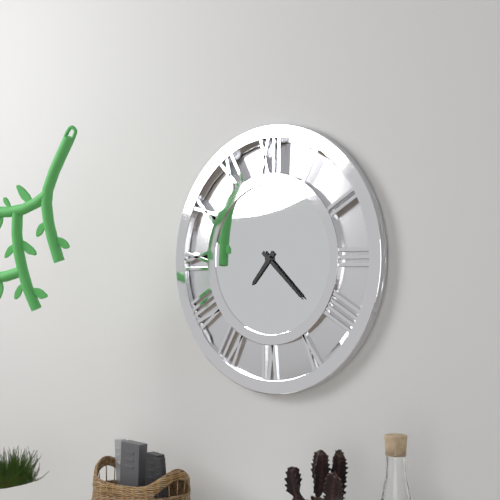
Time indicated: 7:22
